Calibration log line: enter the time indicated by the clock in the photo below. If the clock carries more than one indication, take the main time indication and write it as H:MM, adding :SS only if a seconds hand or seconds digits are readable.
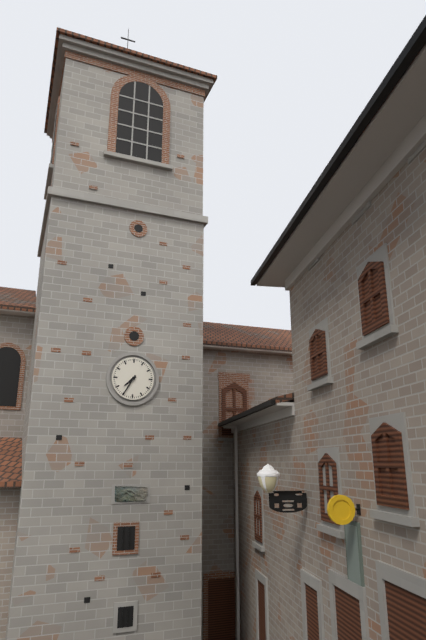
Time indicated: 7:35
